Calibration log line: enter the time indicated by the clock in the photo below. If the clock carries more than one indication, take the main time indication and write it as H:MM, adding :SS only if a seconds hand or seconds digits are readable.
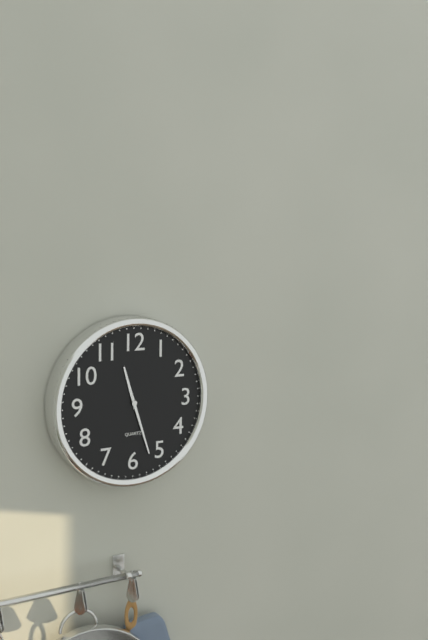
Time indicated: 11:27
